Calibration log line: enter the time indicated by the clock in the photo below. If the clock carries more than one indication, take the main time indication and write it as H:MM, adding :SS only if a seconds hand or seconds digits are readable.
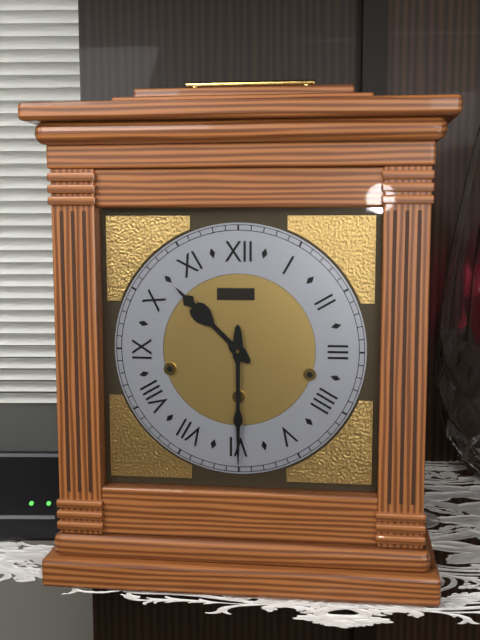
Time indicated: 10:30
